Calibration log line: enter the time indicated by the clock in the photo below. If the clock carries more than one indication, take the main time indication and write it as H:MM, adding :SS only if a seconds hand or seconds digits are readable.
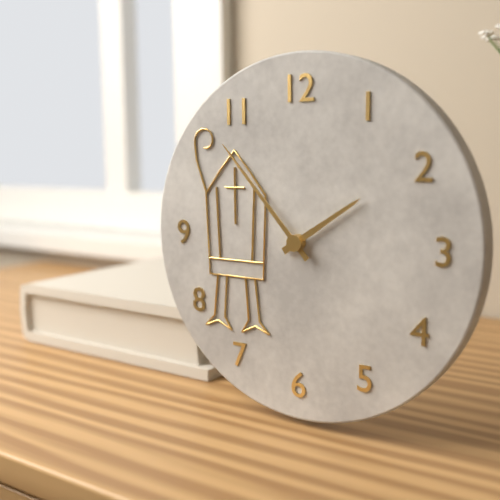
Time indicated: 1:53
